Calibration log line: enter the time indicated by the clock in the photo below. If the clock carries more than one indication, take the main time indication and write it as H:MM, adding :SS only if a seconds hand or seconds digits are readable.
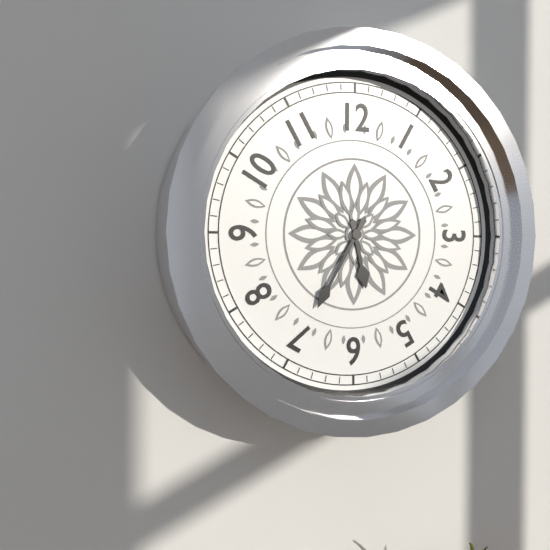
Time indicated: 5:35
